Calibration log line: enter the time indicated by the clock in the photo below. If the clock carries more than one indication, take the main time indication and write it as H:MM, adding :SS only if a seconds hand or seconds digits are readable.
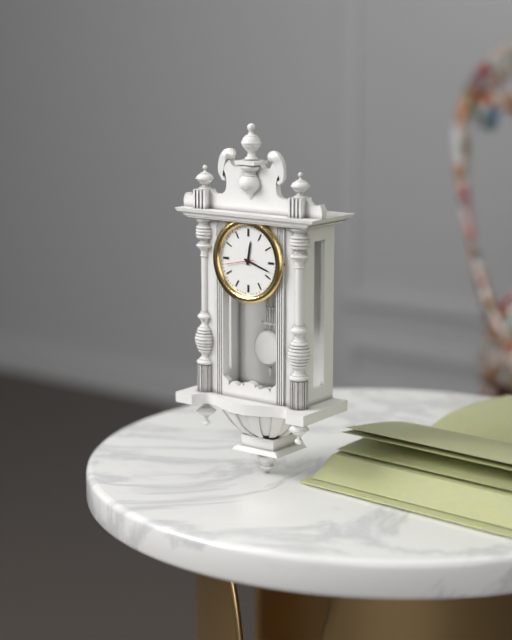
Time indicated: 12:18
